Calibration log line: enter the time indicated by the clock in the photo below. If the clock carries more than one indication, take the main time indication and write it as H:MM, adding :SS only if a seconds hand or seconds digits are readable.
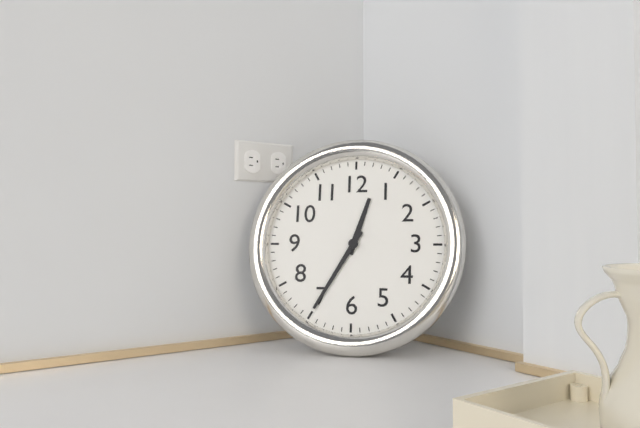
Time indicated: 12:35
